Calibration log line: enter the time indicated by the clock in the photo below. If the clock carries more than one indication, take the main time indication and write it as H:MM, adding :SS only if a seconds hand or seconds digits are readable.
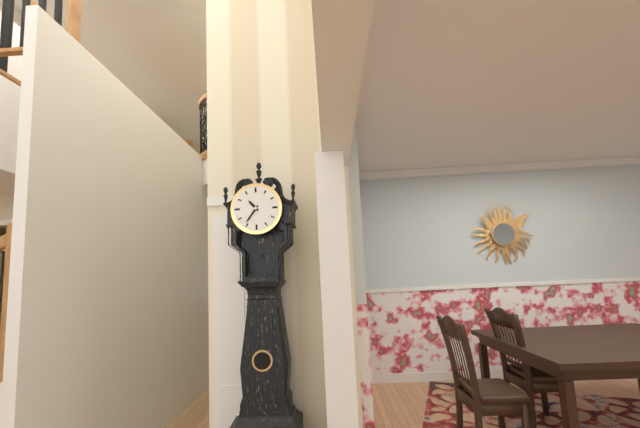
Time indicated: 10:36
